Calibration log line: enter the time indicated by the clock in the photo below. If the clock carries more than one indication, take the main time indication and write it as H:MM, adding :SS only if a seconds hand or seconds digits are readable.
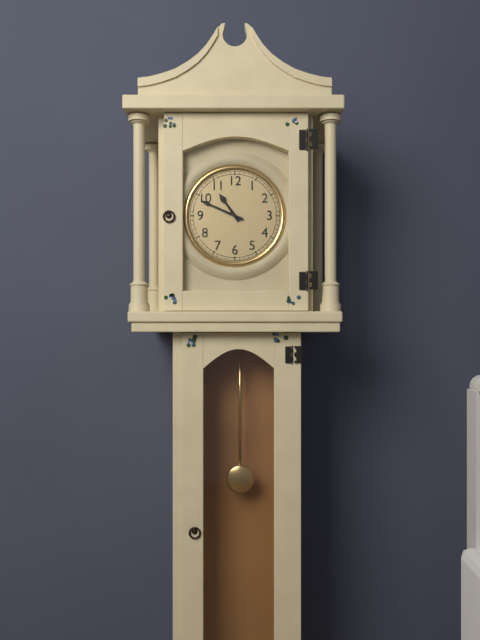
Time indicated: 10:49
